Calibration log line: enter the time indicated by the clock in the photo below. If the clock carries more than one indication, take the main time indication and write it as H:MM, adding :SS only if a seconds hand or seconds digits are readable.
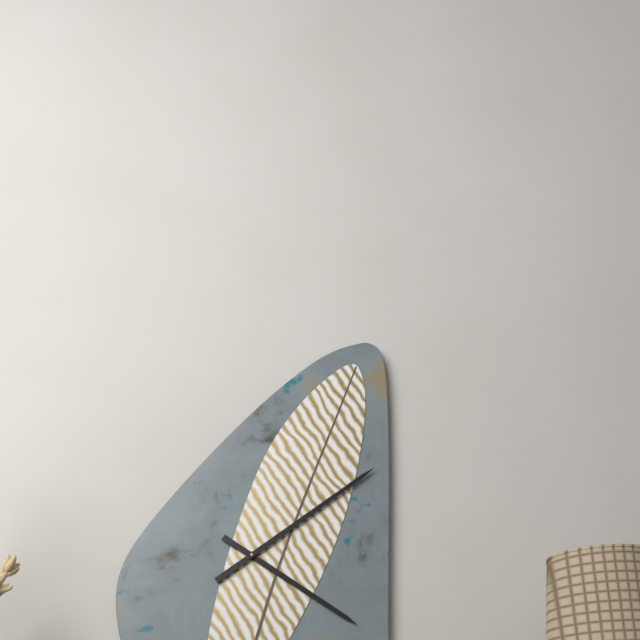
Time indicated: 4:09
